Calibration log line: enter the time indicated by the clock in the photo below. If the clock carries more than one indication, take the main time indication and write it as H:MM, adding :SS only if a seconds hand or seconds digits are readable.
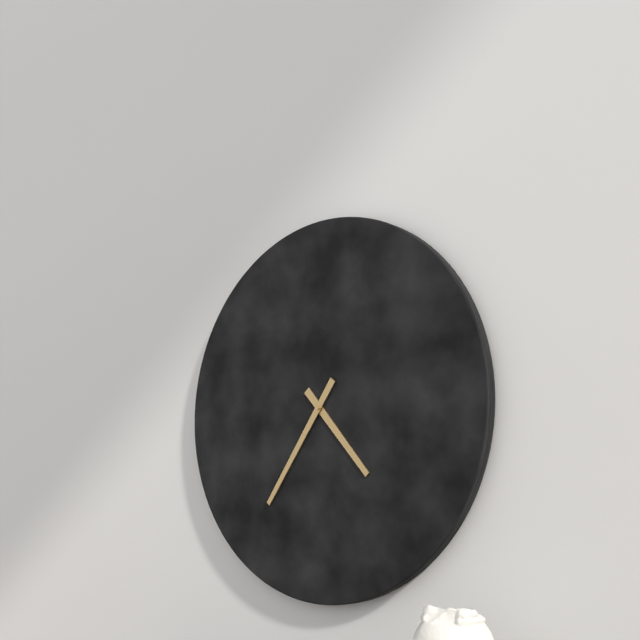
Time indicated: 4:36
